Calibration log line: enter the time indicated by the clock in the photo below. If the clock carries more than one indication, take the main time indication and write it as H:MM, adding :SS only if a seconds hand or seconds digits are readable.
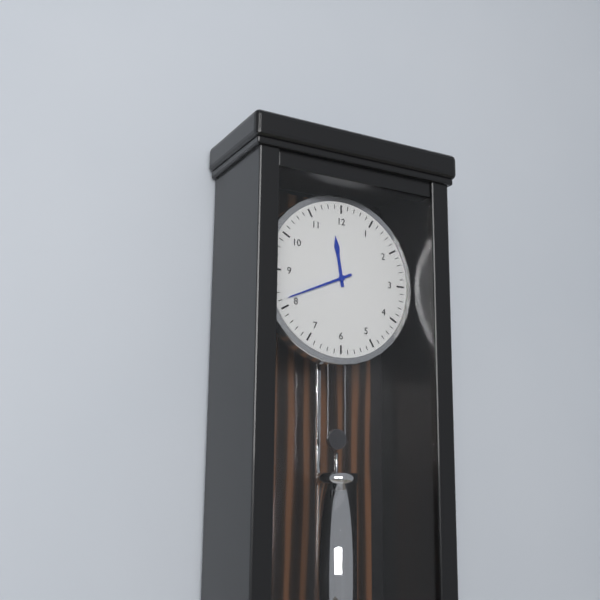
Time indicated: 11:41
